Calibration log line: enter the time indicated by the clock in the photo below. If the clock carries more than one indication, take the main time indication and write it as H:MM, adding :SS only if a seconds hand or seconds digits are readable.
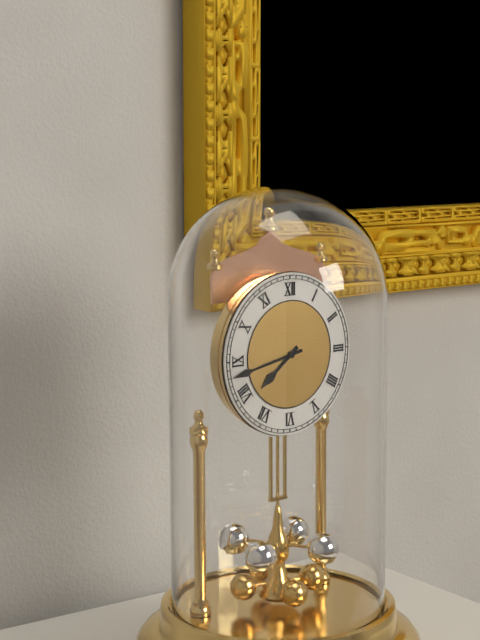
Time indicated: 7:43
